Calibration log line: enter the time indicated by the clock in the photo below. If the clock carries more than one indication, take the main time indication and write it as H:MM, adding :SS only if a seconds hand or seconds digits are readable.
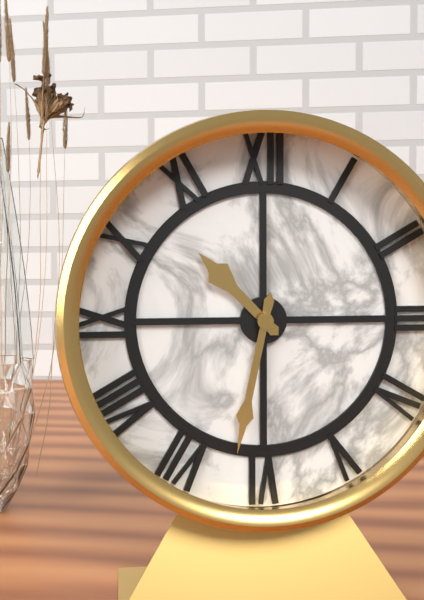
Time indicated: 10:32
